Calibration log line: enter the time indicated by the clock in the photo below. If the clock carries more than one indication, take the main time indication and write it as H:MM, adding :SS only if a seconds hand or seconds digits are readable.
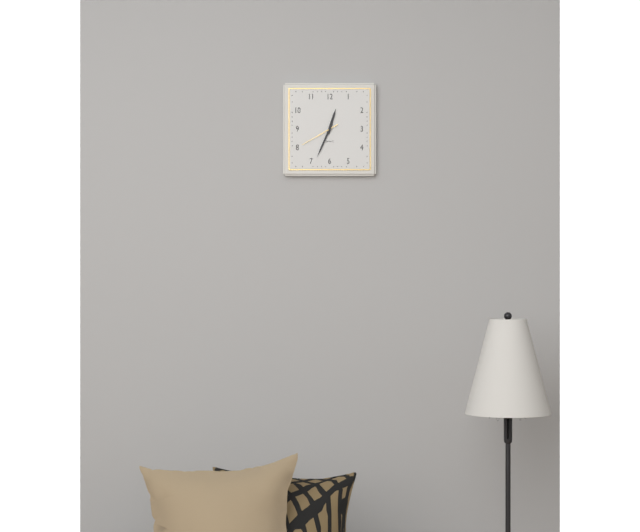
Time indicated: 12:34
